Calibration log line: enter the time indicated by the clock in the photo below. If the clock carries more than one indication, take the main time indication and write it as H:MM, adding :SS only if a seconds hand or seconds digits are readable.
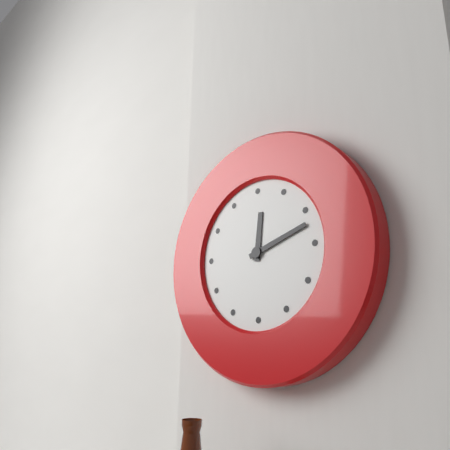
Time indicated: 12:12
